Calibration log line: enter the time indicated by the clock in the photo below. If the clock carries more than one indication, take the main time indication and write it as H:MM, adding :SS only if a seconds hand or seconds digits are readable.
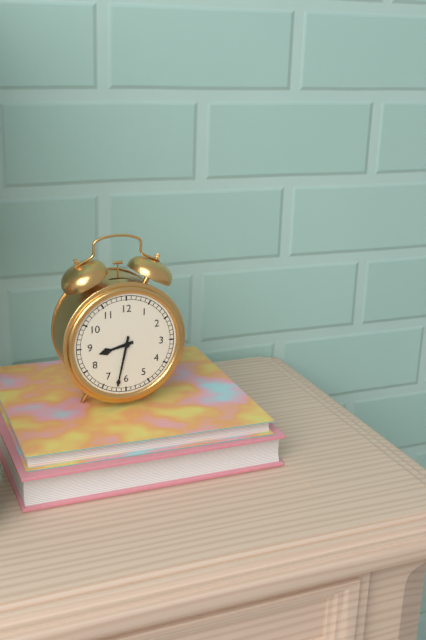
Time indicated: 8:32
